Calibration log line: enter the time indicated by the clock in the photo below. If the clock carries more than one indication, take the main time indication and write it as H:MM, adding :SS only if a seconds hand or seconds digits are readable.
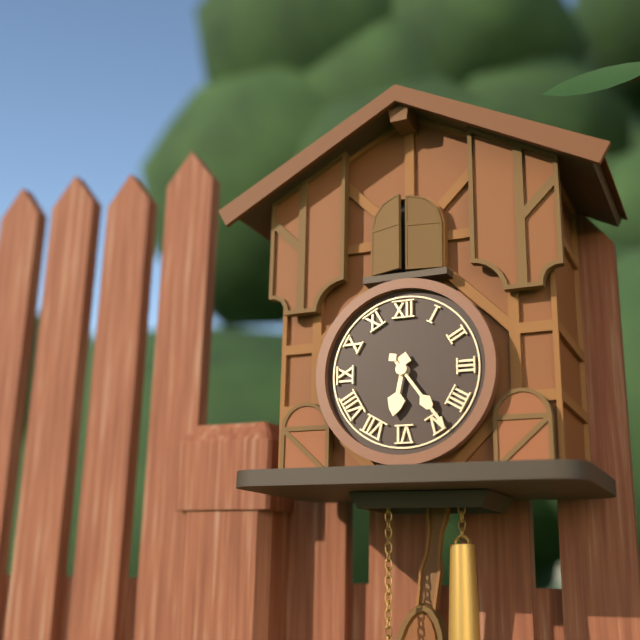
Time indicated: 6:24
